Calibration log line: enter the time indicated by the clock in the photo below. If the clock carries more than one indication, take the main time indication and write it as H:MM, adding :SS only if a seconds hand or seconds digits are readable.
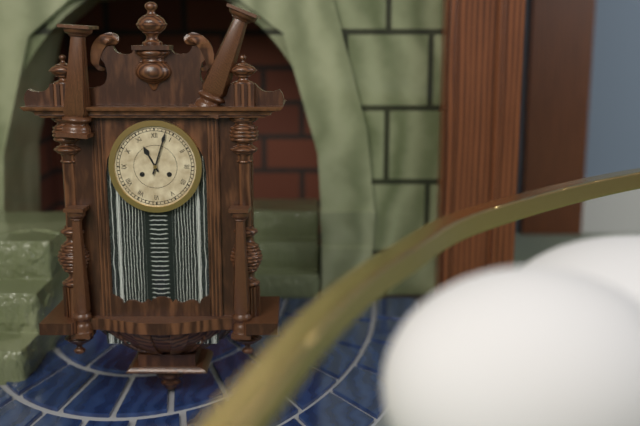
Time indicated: 11:03
